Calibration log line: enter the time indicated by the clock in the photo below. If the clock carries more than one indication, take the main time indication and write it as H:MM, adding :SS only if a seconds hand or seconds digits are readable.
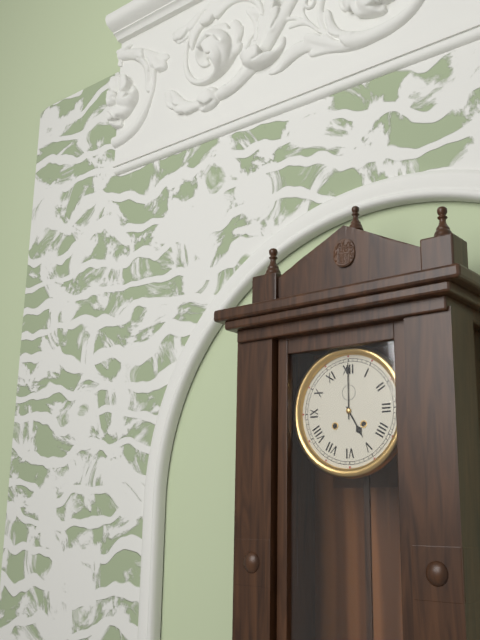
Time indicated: 5:00
